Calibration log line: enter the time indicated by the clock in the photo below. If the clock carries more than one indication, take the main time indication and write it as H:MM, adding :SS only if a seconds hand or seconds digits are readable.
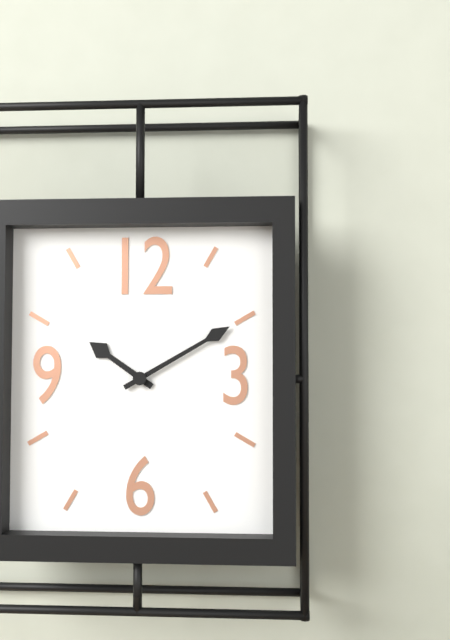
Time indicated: 10:10
